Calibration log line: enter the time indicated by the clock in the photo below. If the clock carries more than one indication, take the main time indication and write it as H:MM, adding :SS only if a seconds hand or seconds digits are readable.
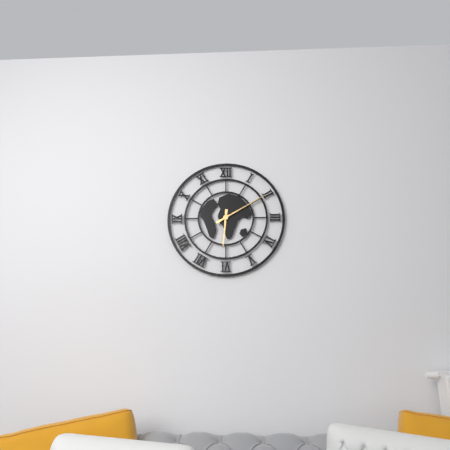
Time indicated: 6:10
